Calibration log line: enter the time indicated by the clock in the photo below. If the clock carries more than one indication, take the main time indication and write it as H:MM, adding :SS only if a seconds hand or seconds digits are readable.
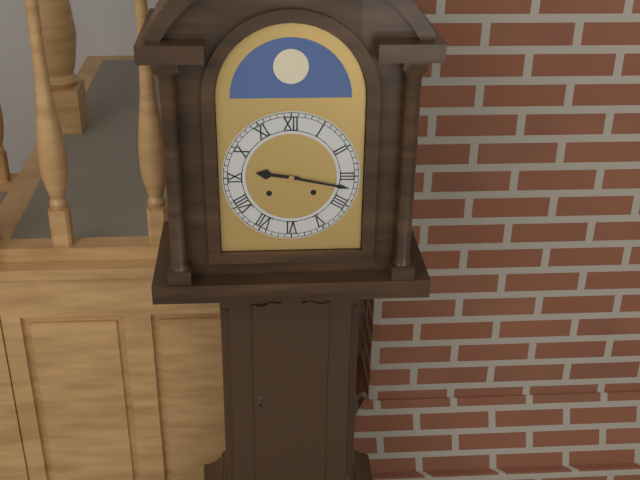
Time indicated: 9:17
